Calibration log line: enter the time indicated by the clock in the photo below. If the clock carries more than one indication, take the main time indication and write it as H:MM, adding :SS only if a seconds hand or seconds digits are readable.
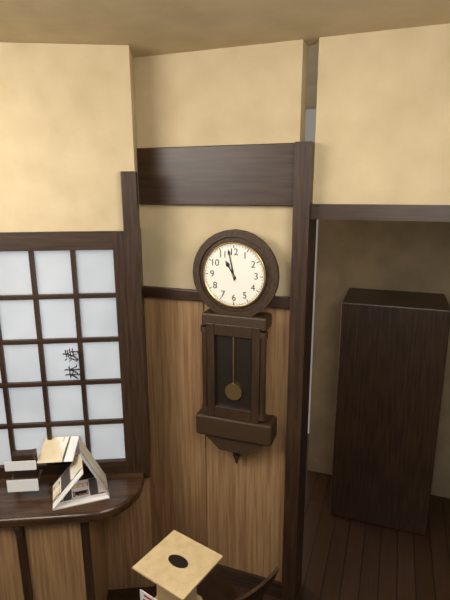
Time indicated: 10:58
